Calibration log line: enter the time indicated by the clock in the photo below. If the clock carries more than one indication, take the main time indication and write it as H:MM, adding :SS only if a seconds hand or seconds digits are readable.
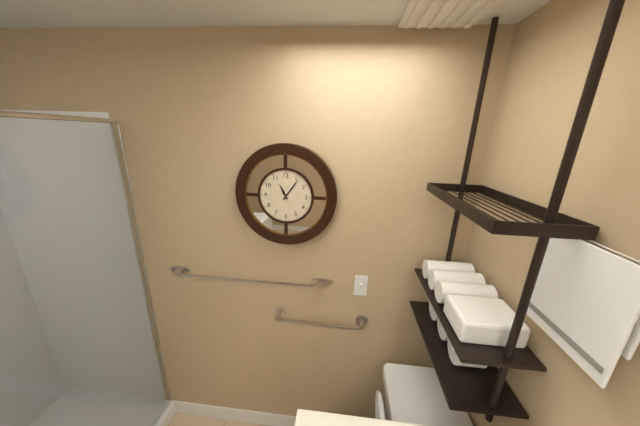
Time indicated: 11:06
